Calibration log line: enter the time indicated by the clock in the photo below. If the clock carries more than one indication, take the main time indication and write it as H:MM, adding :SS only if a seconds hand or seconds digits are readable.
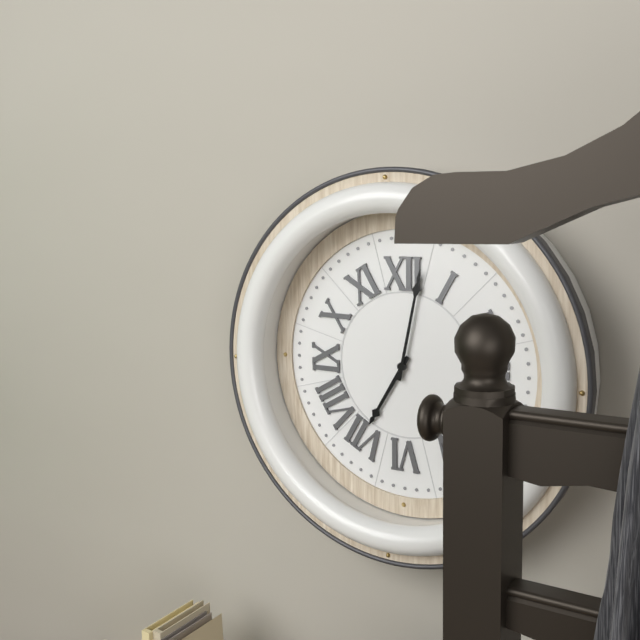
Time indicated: 7:02
